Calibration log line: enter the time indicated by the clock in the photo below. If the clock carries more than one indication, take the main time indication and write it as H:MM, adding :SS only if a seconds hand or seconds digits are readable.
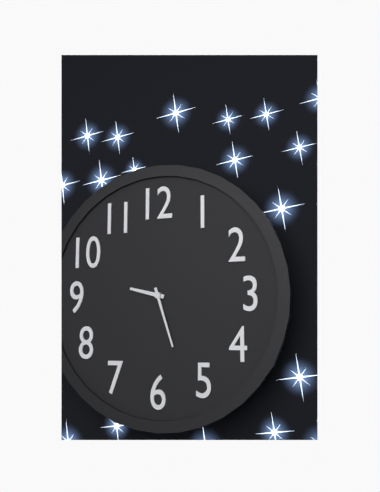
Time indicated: 9:27
